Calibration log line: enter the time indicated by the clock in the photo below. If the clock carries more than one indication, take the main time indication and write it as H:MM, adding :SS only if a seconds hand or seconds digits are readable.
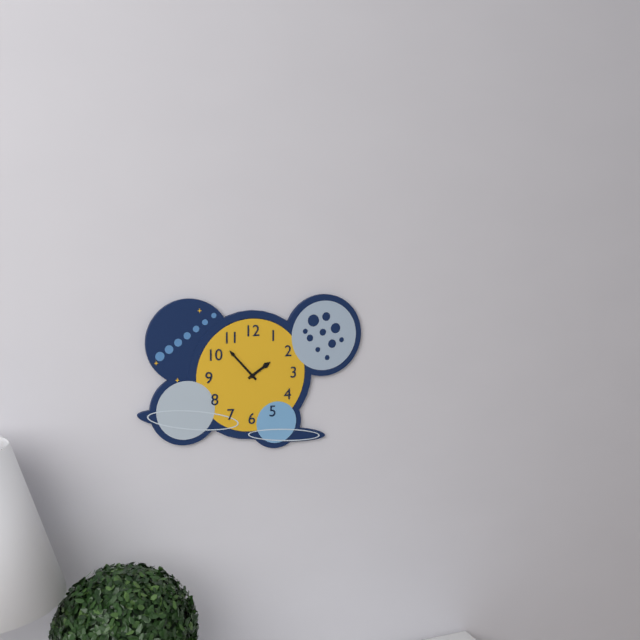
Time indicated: 1:53
